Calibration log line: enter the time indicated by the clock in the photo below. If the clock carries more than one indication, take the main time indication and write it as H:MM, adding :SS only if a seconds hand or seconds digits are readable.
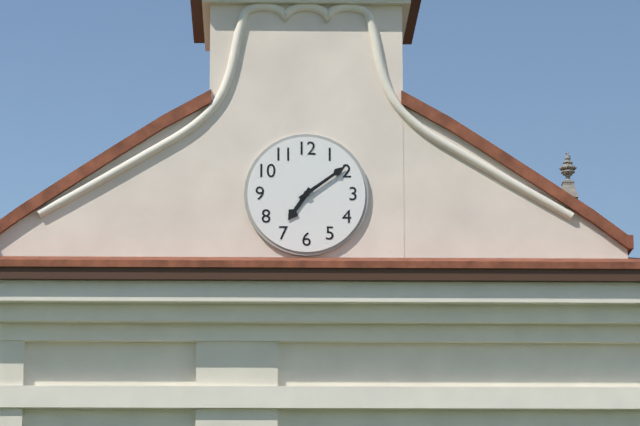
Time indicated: 7:09
